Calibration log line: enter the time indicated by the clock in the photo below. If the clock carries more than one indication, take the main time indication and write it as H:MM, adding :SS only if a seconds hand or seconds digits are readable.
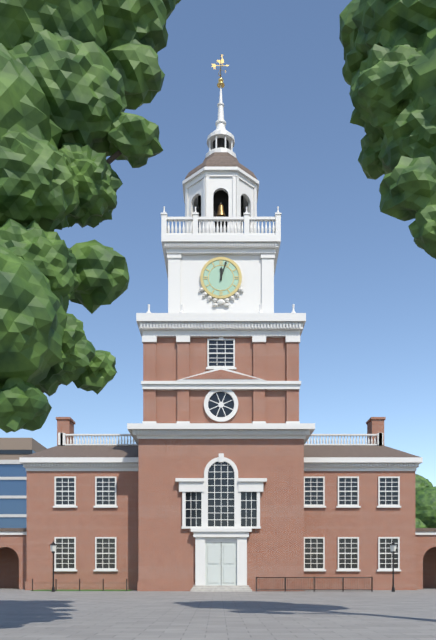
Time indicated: 12:03
